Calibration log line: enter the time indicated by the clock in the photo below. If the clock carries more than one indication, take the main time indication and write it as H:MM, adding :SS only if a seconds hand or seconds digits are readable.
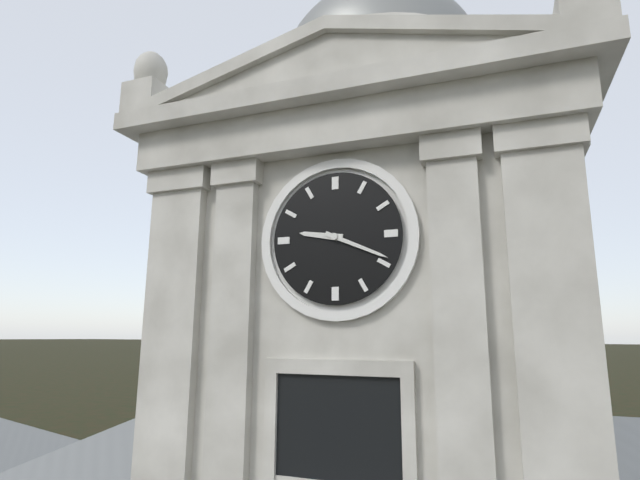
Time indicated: 9:19
